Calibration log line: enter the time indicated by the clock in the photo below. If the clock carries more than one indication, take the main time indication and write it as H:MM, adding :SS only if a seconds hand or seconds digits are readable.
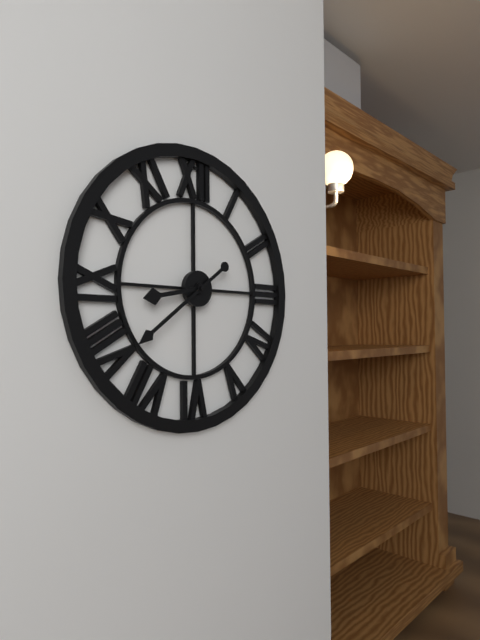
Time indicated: 8:39
